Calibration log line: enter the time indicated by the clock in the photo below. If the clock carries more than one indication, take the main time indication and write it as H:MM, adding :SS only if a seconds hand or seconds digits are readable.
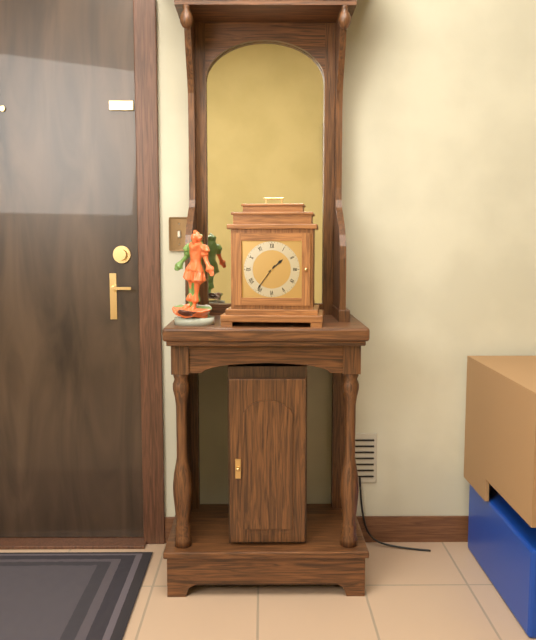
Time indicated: 1:36
